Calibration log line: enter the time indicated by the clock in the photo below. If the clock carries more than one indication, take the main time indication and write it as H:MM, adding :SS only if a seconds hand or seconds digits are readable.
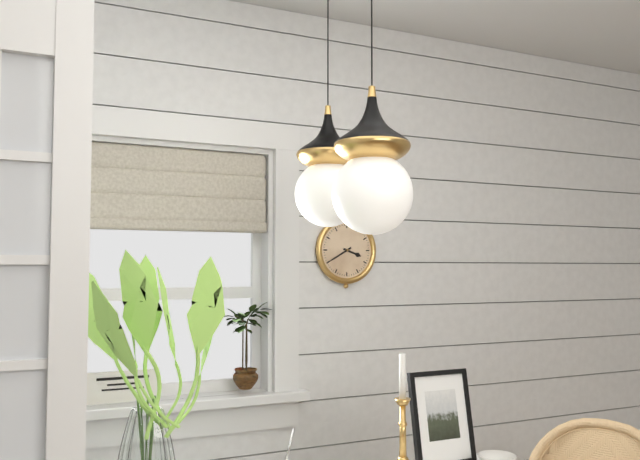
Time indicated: 3:40
